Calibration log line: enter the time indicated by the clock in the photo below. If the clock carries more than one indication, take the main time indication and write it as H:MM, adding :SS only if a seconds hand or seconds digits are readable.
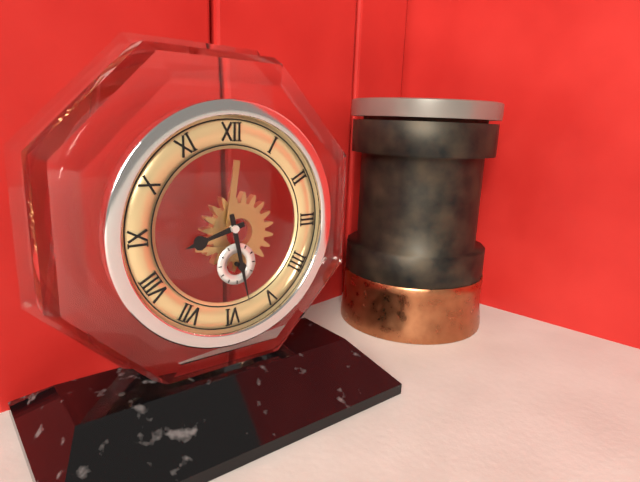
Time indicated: 8:28
